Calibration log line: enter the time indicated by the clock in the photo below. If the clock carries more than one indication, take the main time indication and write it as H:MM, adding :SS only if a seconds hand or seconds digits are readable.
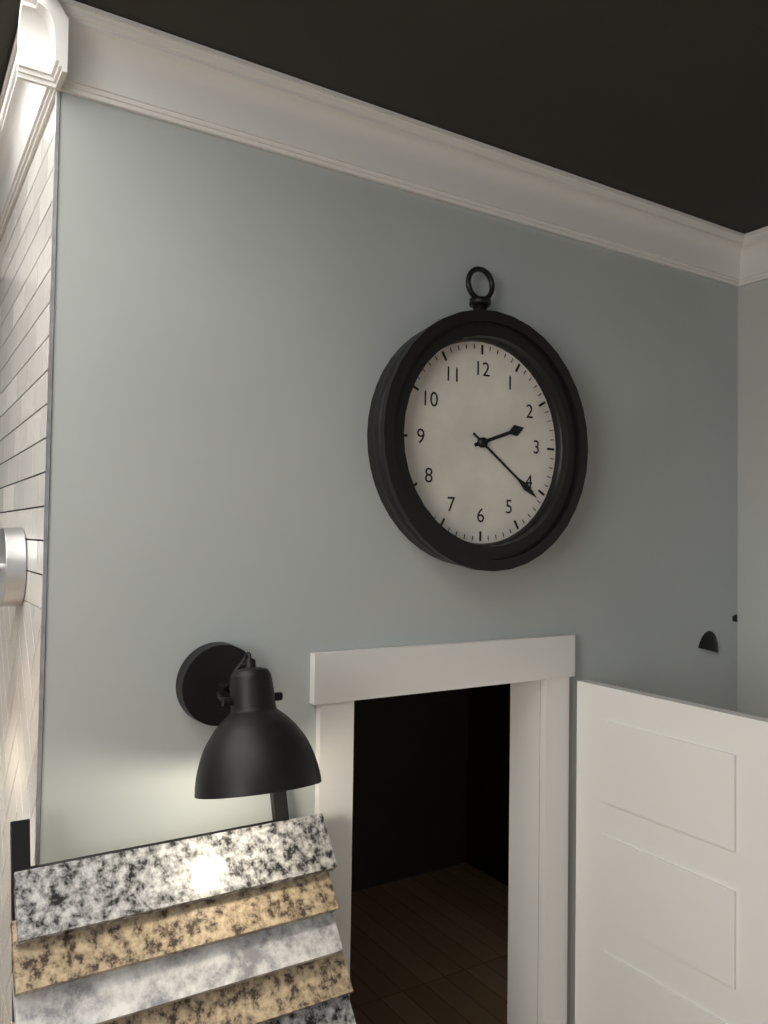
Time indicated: 2:21
